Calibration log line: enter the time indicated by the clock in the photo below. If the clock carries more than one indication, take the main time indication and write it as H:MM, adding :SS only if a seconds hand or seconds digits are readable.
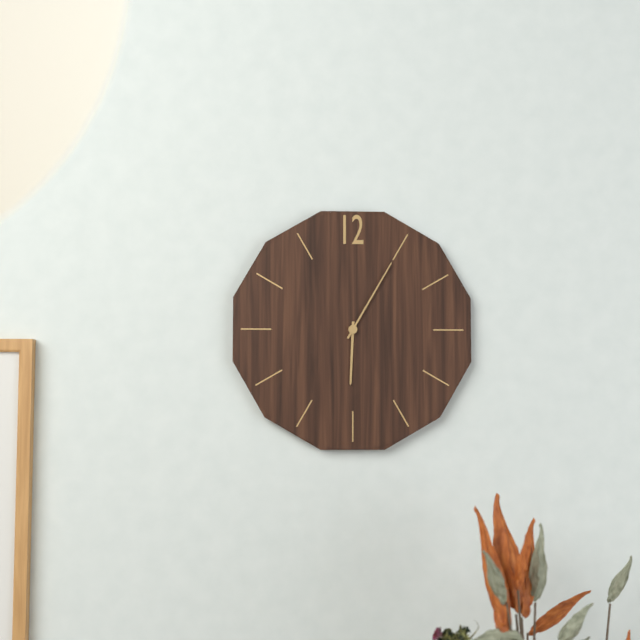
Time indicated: 6:05
